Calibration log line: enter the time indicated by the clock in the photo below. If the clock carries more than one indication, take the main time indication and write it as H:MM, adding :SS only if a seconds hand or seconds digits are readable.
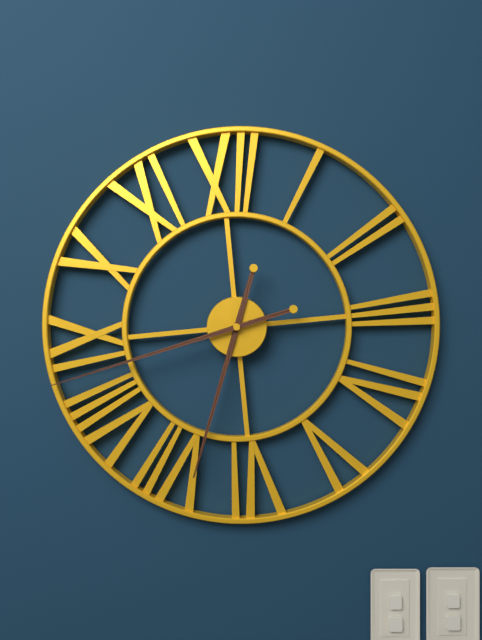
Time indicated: 6:43
